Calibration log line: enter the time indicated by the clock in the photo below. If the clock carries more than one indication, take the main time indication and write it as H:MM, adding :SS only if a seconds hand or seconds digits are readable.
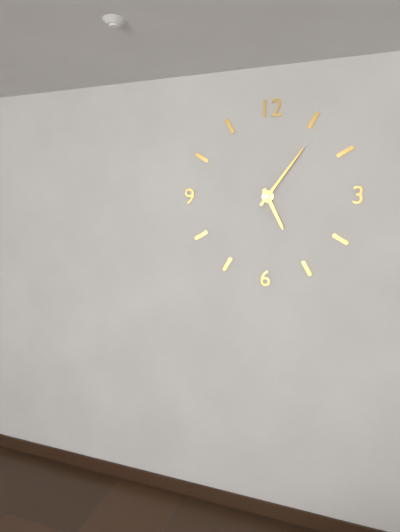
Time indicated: 5:06
